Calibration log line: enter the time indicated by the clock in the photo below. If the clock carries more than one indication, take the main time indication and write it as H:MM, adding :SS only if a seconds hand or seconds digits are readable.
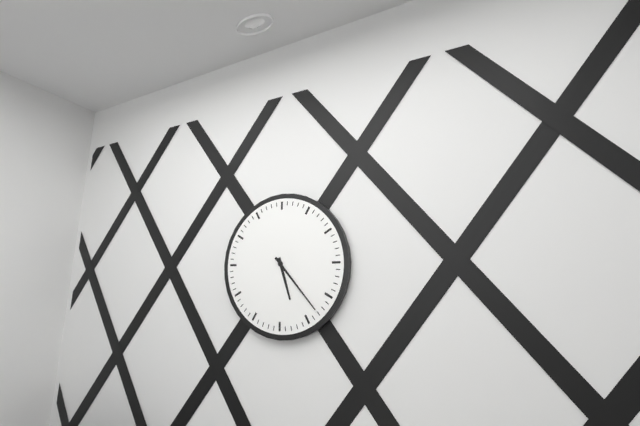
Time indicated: 5:23
